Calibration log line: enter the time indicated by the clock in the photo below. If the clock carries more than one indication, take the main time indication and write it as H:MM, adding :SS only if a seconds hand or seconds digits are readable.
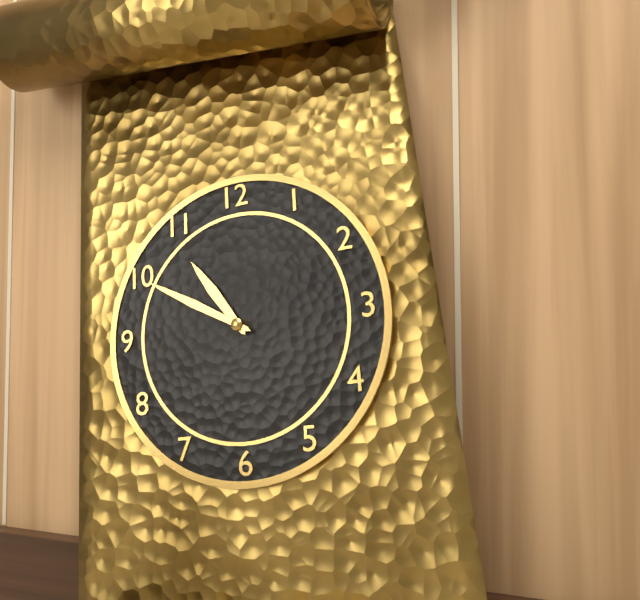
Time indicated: 10:50
